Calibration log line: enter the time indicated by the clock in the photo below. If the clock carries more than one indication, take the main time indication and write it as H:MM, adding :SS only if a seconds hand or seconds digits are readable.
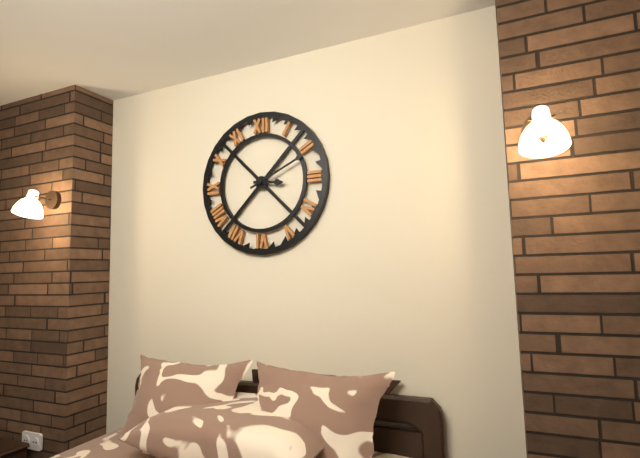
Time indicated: 3:11
